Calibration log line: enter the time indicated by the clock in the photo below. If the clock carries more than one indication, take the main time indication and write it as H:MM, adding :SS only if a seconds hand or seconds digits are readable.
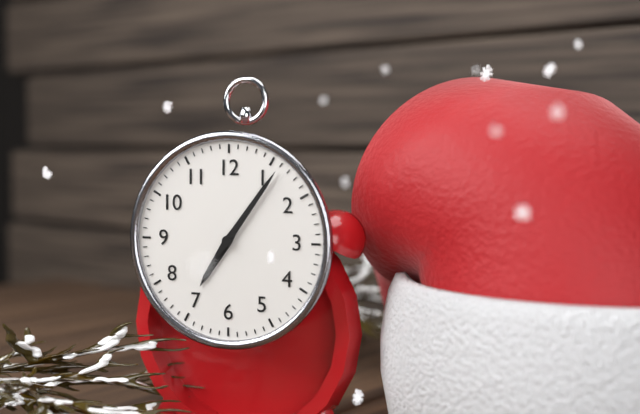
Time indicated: 7:06
